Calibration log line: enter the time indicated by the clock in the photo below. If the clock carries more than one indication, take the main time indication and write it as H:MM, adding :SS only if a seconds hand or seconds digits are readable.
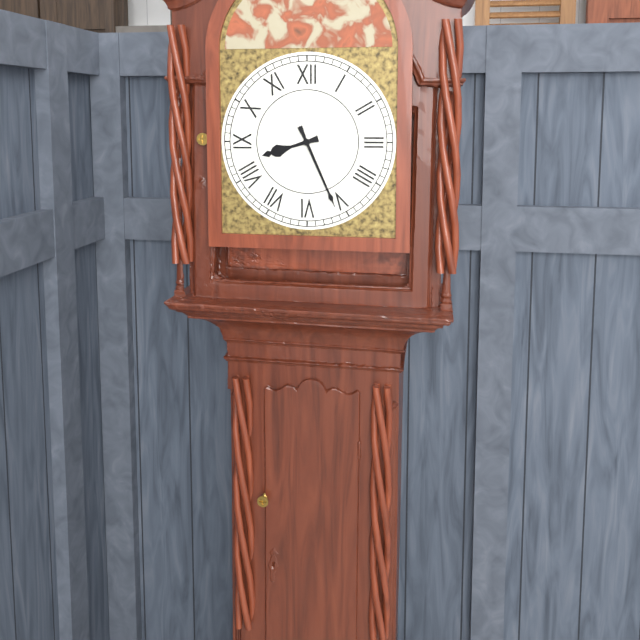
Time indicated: 8:26
